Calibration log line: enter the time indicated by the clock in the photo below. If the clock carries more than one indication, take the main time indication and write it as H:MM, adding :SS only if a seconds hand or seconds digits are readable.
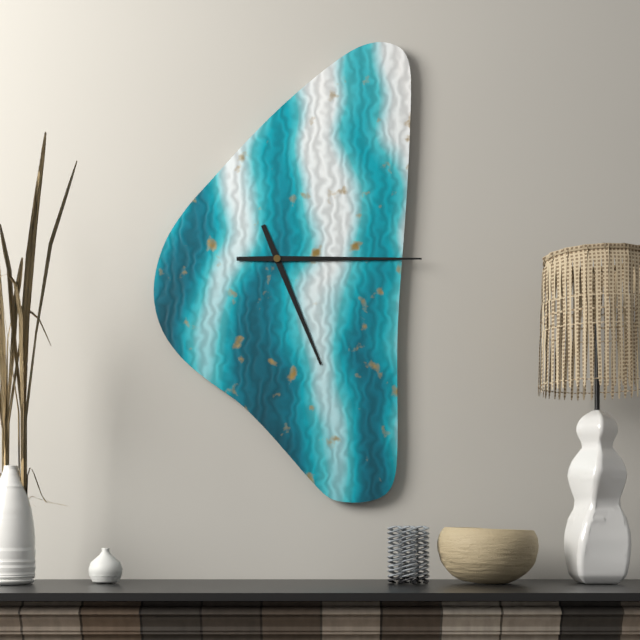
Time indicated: 5:15
